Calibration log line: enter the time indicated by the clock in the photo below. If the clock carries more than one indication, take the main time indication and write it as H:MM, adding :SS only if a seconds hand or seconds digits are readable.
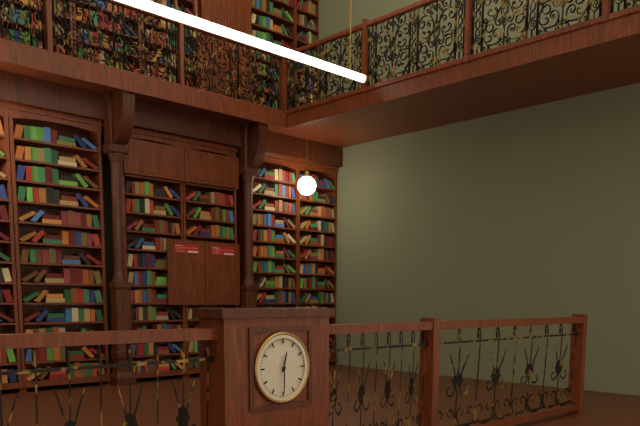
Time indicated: 12:30
